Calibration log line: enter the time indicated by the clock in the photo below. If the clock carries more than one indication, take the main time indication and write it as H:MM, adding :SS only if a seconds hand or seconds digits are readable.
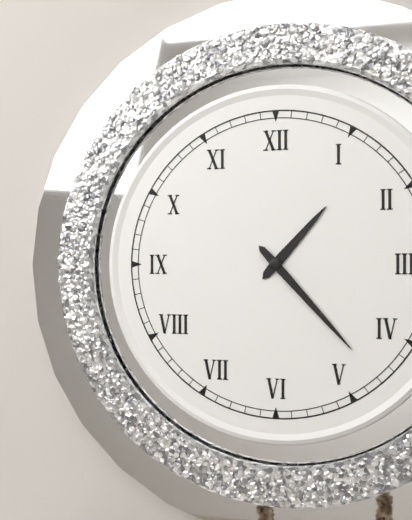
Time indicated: 1:23
